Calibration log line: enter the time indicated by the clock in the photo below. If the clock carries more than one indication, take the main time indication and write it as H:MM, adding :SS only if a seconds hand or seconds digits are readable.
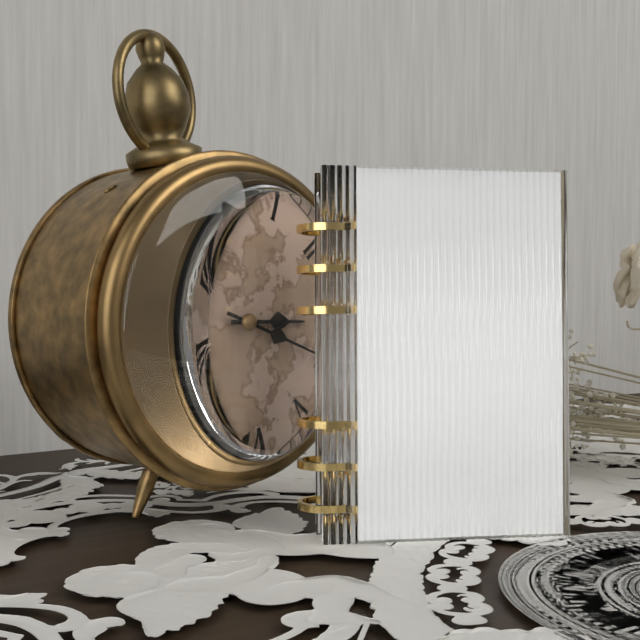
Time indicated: 3:20
